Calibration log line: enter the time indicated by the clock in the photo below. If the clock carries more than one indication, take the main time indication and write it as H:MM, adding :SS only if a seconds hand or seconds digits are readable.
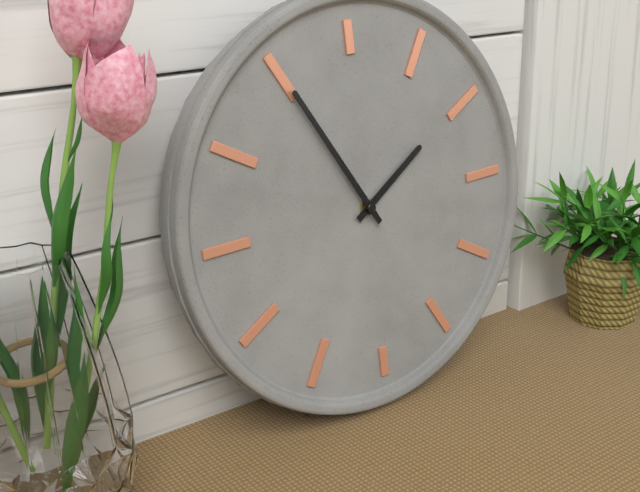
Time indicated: 1:55
